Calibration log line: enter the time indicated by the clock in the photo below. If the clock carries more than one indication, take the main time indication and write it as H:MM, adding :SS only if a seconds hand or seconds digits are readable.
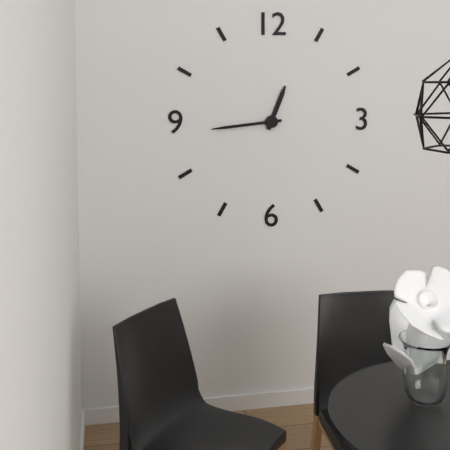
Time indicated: 12:44
